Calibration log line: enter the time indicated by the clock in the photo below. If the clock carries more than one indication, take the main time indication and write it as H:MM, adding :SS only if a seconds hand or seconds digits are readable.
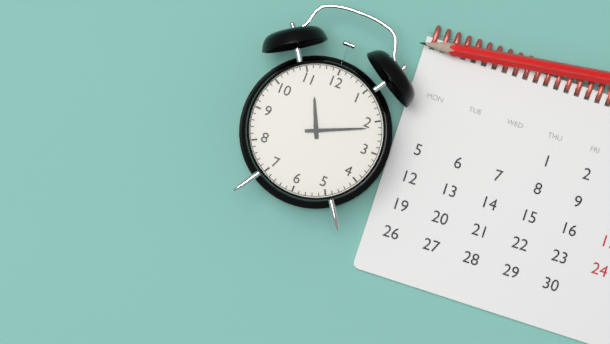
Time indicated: 11:11
